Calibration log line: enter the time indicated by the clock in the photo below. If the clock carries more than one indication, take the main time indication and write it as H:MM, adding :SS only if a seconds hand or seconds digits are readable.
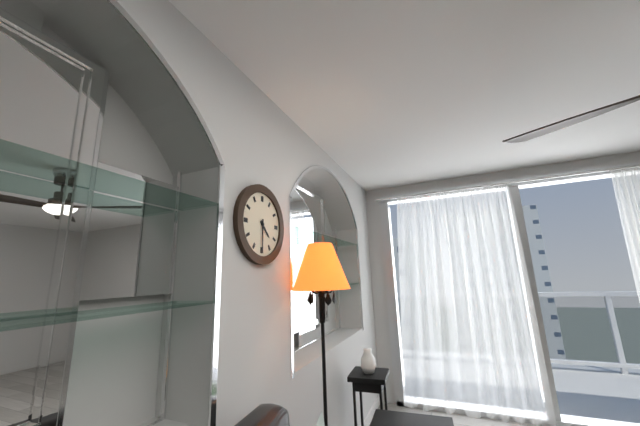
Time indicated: 4:30
